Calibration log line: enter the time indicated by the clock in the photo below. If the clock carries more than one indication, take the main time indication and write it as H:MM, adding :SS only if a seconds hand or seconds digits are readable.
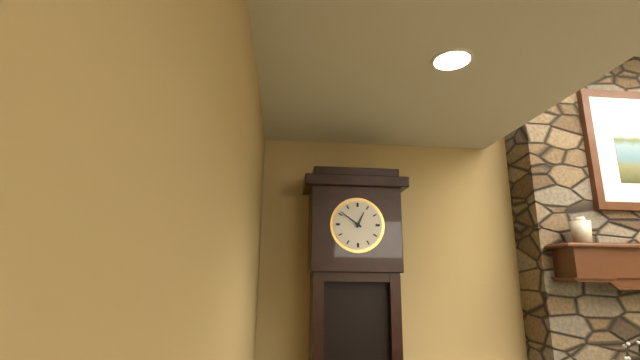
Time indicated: 12:51
